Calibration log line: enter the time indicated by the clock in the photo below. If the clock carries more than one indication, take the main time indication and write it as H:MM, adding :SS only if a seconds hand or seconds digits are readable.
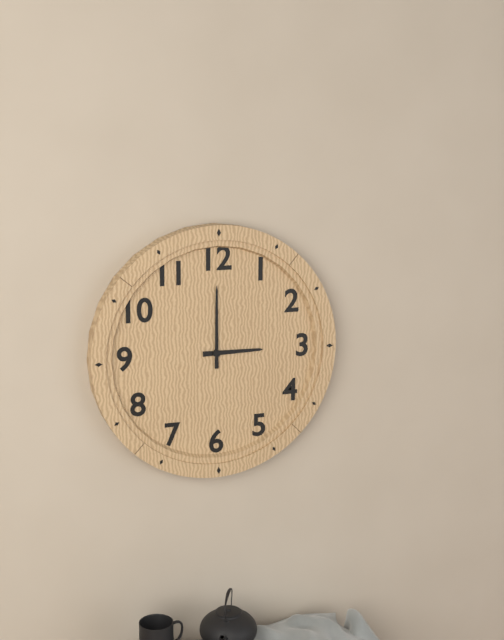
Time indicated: 3:00
